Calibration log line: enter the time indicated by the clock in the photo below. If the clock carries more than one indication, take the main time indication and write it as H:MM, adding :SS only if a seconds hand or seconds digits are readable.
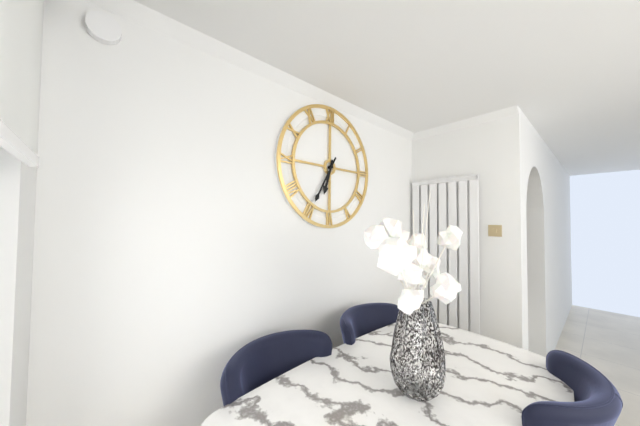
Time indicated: 6:35
